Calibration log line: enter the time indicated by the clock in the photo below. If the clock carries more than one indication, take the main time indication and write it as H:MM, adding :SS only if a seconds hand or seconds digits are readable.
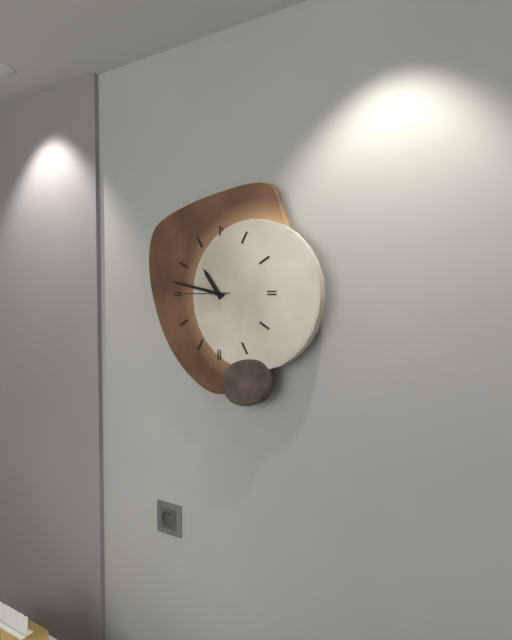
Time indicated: 10:47
